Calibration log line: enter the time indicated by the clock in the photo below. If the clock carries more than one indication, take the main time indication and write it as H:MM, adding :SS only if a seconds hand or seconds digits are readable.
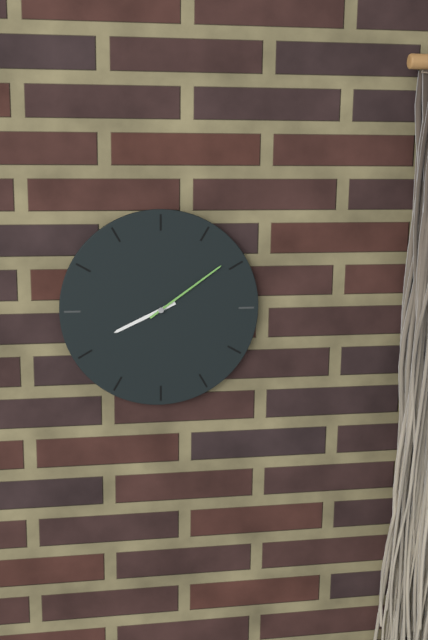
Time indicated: 8:09
